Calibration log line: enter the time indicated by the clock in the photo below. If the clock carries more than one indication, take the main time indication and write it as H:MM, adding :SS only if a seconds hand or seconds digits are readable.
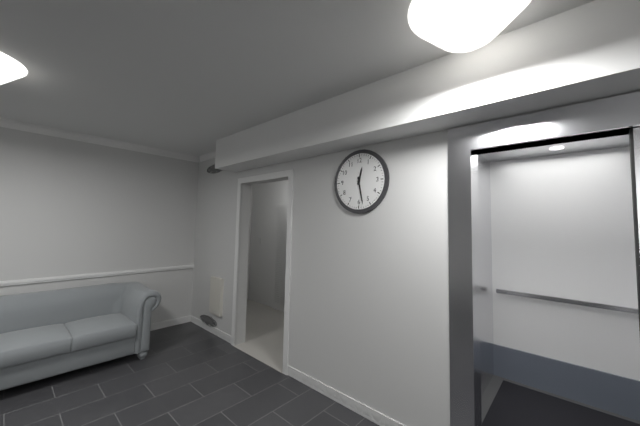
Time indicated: 12:28
